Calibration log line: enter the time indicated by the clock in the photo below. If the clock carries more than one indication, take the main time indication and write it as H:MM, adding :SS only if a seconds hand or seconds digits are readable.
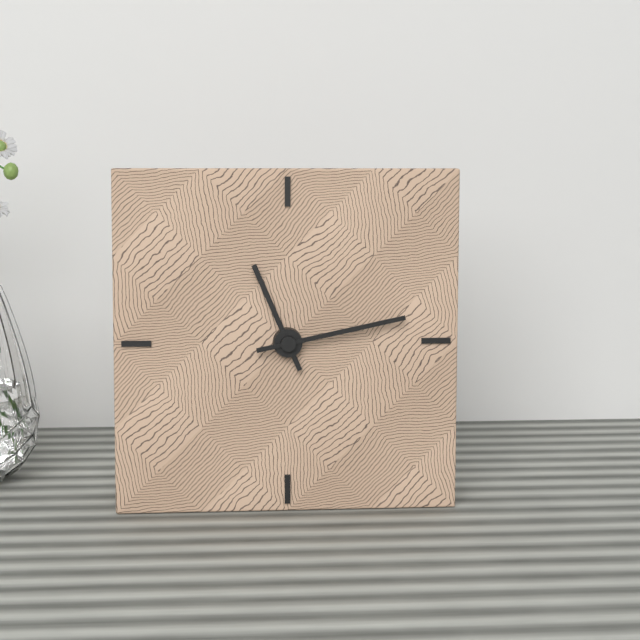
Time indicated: 11:13
